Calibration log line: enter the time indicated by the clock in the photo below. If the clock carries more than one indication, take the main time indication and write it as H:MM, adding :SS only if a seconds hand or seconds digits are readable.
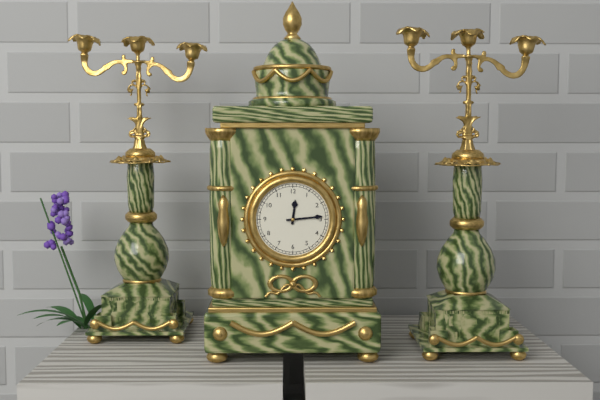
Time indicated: 12:14
